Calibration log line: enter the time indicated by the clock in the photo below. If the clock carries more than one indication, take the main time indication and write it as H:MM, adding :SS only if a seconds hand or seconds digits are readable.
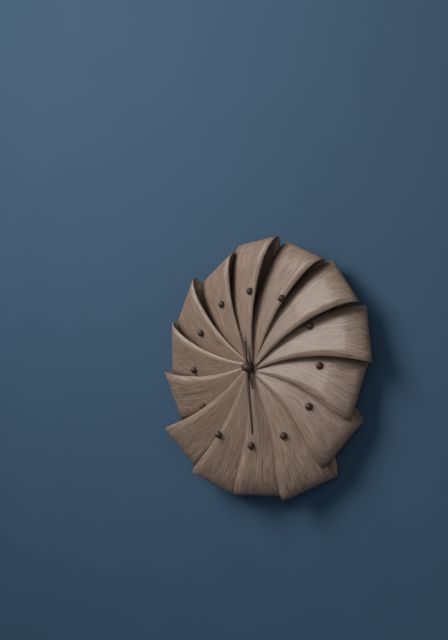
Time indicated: 11:29
